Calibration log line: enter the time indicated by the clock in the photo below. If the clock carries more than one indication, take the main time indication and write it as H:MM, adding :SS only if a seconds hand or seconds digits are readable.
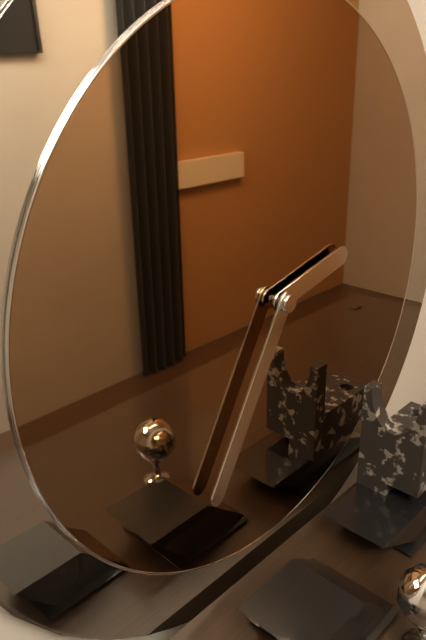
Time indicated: 2:35
